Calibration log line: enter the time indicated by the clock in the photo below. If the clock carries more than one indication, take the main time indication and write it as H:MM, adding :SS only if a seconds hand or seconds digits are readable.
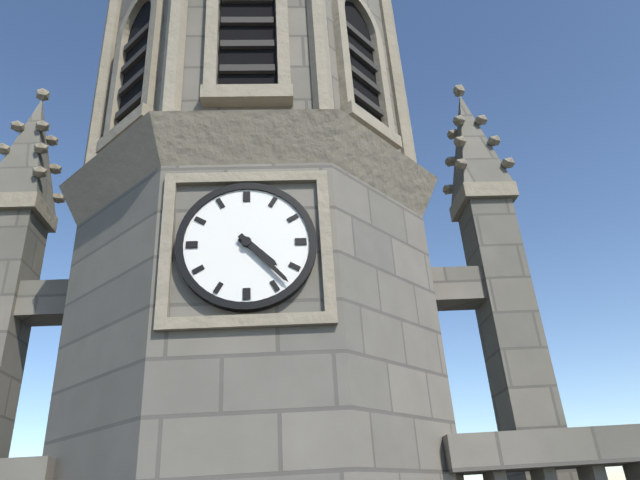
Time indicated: 4:23
